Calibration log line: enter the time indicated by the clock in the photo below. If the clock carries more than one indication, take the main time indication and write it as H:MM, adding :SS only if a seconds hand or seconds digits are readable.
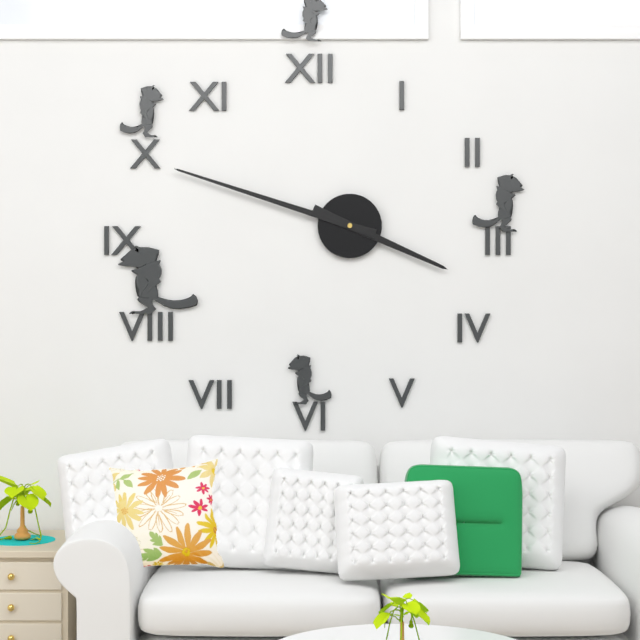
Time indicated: 3:48
